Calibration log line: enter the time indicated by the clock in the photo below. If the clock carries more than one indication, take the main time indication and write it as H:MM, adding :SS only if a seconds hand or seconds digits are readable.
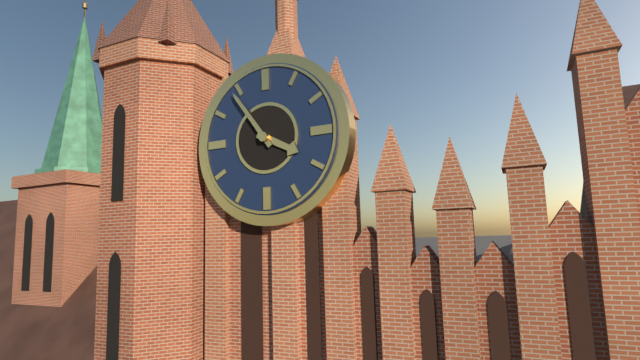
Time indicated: 3:54
